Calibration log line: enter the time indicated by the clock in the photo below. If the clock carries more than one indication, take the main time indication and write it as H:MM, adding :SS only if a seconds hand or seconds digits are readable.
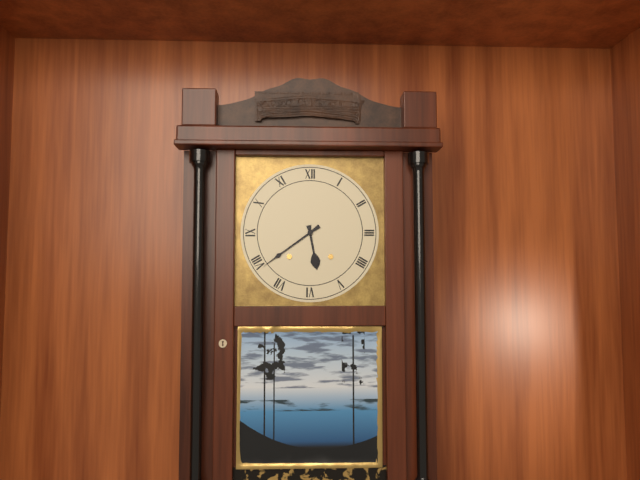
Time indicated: 5:39
